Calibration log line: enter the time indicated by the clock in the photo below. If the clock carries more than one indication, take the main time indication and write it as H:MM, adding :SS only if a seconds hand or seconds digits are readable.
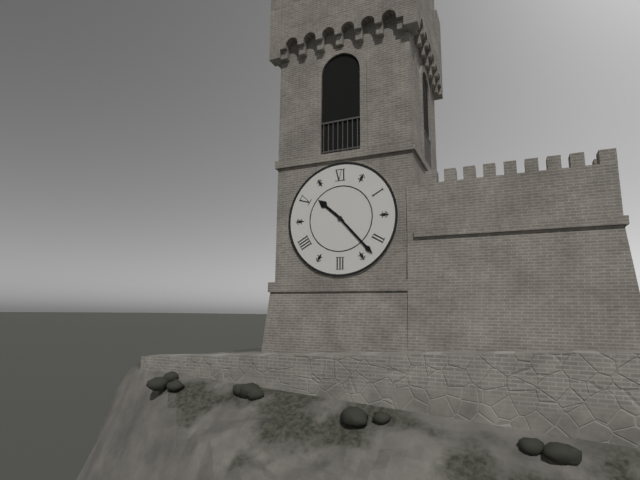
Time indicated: 10:23
